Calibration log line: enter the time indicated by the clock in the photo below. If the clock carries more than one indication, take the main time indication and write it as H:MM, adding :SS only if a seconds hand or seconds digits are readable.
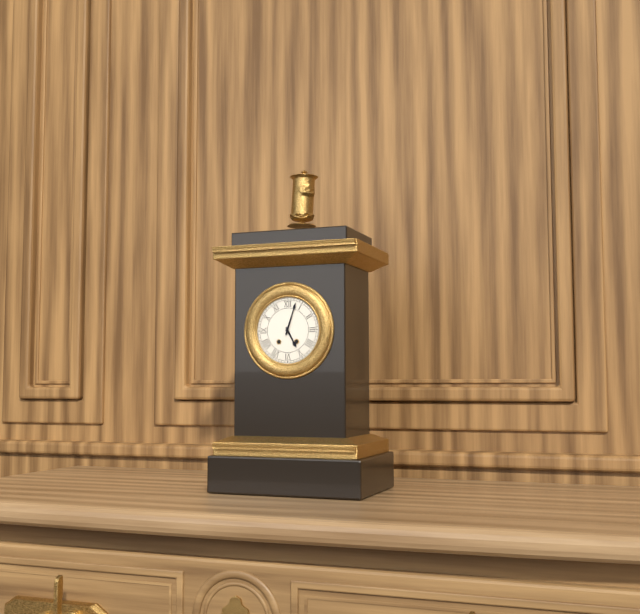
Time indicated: 5:03
